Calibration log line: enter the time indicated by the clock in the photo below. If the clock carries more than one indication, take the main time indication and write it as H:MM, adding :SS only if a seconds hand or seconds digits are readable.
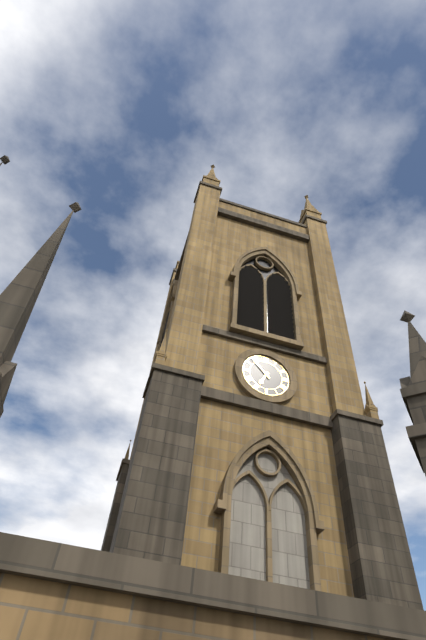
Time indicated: 6:53
